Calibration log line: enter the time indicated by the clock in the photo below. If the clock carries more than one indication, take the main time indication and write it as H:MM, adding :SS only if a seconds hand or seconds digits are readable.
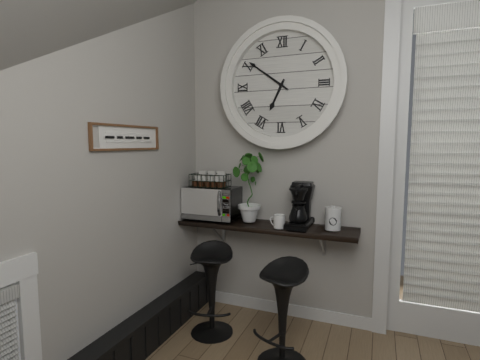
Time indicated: 6:51
